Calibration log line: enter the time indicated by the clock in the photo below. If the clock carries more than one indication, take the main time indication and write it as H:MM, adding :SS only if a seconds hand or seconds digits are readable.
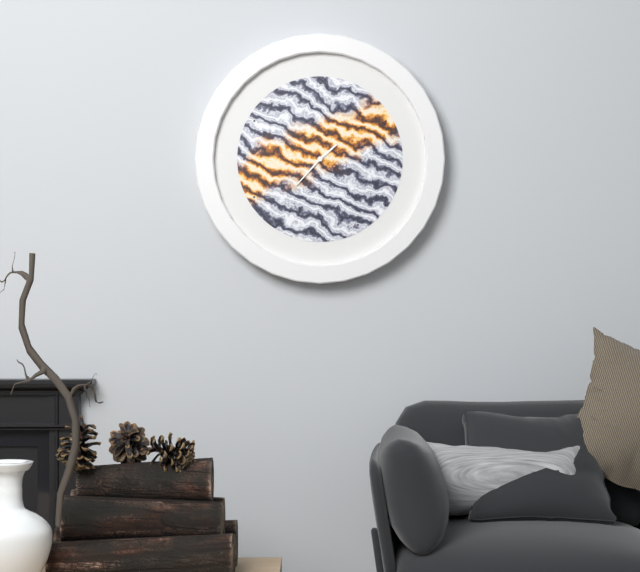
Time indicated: 1:37
